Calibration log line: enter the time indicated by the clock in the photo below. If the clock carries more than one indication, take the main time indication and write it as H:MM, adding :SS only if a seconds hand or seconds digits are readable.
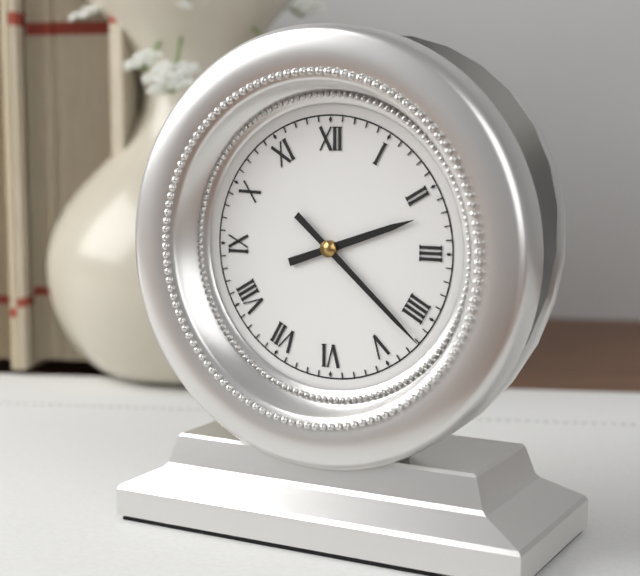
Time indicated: 2:22
